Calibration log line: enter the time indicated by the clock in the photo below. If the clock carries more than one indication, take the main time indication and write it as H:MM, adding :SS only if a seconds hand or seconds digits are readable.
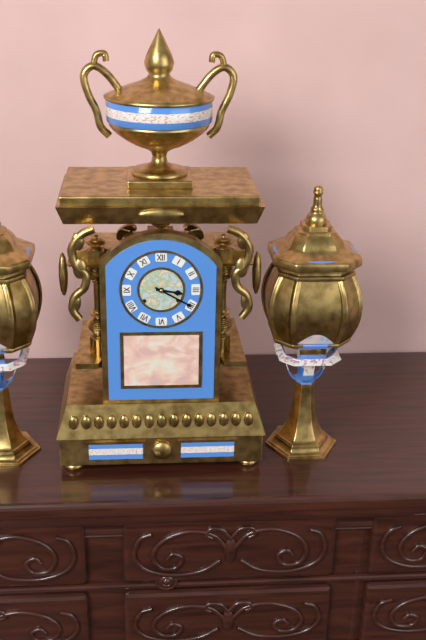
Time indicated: 3:20
